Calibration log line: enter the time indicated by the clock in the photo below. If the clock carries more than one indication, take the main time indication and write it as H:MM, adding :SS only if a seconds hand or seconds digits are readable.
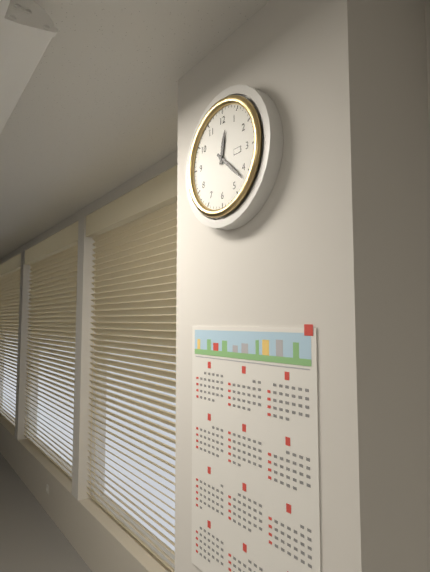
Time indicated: 12:22
